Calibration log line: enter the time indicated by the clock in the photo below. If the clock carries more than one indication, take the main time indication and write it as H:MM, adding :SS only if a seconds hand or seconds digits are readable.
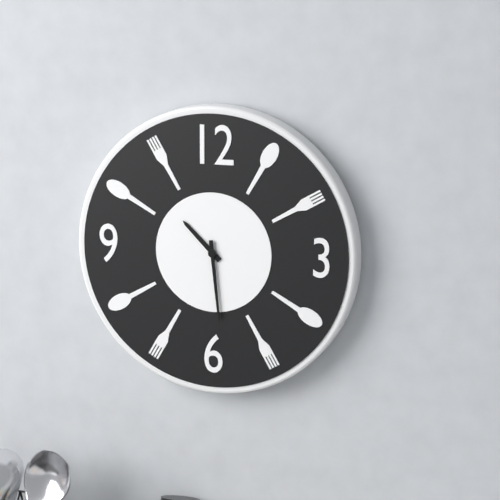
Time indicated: 10:29
